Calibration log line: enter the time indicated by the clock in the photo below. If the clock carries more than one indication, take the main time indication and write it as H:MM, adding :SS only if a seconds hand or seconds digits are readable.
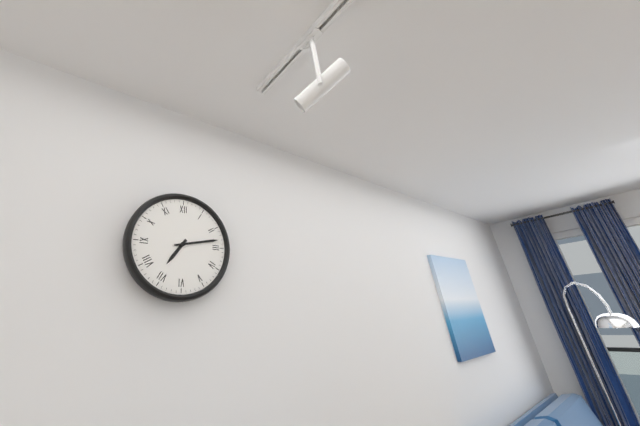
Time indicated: 7:13
